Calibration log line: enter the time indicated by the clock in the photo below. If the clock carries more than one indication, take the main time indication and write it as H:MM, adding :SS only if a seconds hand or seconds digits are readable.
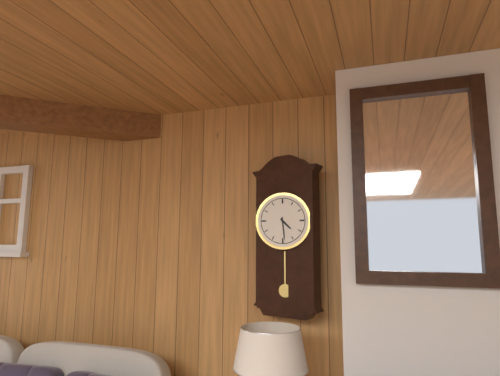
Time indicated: 4:29
